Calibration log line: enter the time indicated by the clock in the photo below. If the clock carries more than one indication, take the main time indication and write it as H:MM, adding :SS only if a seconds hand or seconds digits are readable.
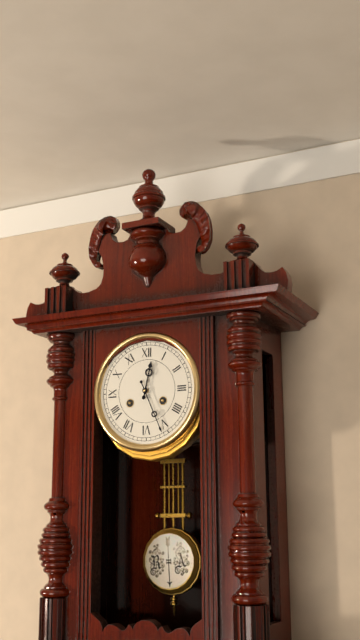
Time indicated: 12:26
